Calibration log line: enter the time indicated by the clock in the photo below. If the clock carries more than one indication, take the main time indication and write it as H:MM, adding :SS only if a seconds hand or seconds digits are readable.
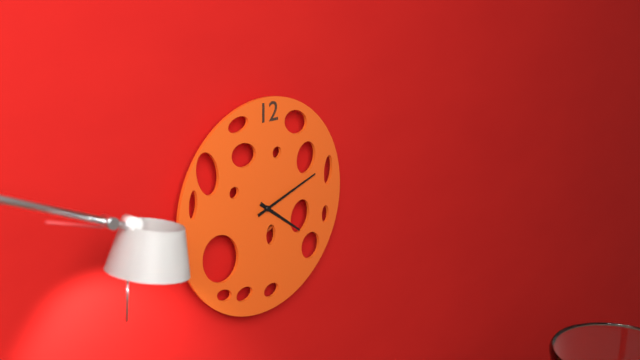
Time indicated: 4:12
